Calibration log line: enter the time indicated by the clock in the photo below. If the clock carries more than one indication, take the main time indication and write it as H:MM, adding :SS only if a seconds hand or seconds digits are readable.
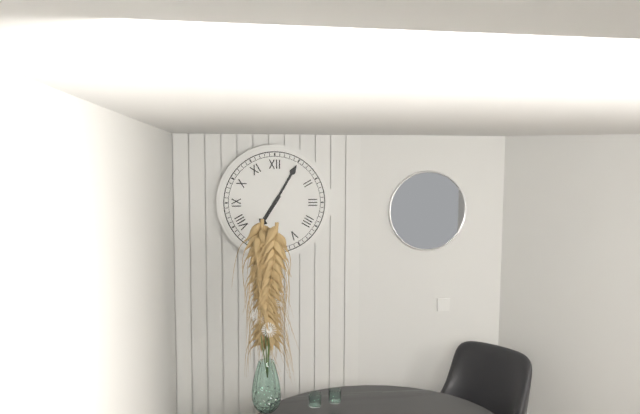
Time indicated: 7:05
